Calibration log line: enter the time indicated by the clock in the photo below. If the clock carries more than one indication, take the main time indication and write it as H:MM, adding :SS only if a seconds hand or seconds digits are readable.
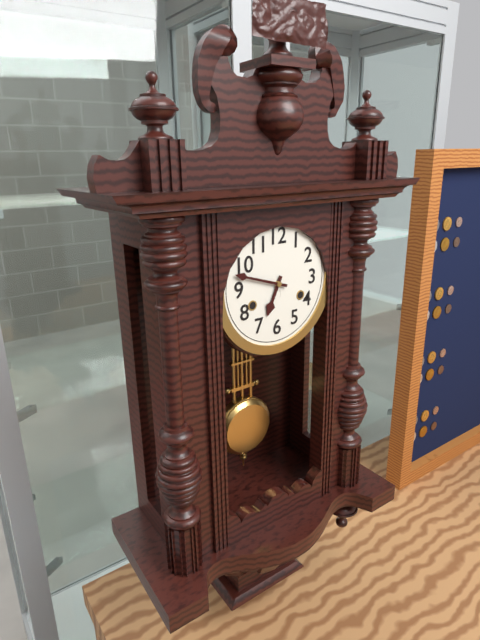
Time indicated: 6:48
